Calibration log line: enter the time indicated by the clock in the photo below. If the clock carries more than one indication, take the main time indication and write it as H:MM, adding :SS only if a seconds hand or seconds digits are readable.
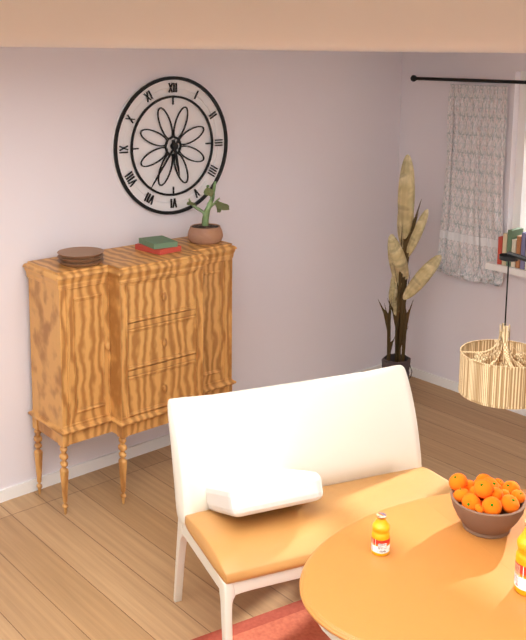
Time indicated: 5:36
